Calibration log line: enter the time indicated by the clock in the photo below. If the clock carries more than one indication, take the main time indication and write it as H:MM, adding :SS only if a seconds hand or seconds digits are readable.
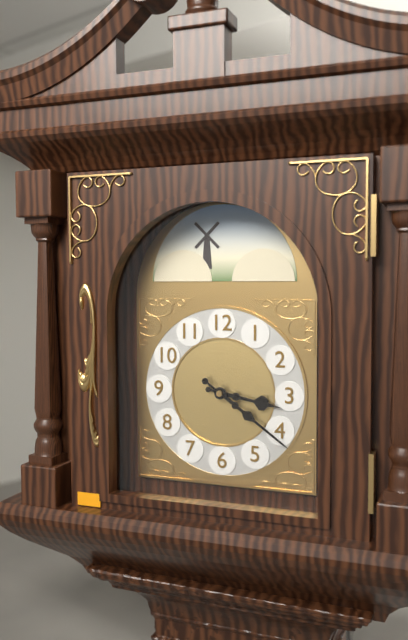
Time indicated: 3:21
